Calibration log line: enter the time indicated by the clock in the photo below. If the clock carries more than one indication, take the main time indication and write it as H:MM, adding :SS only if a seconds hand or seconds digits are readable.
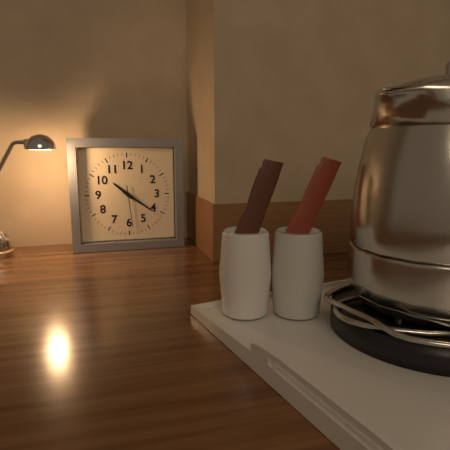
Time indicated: 10:21
